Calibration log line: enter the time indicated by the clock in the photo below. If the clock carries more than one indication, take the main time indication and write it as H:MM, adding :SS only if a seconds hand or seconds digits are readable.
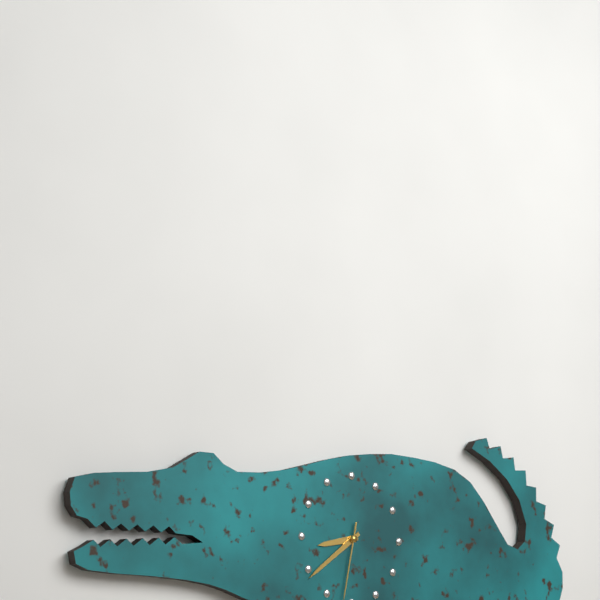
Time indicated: 8:39
